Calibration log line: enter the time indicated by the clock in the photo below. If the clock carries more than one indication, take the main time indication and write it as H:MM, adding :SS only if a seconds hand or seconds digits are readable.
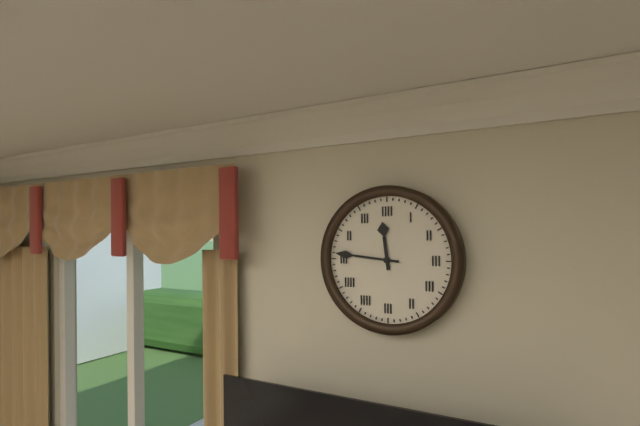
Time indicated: 11:46
